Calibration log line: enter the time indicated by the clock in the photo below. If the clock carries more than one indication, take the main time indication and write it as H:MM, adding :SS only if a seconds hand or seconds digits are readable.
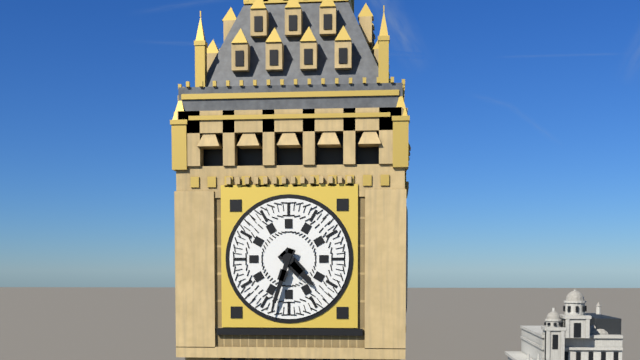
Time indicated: 4:33
